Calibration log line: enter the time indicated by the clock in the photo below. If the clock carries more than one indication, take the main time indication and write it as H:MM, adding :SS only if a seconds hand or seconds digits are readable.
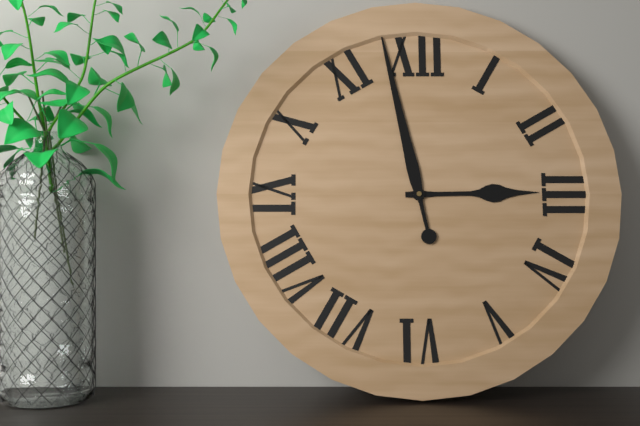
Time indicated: 2:58
